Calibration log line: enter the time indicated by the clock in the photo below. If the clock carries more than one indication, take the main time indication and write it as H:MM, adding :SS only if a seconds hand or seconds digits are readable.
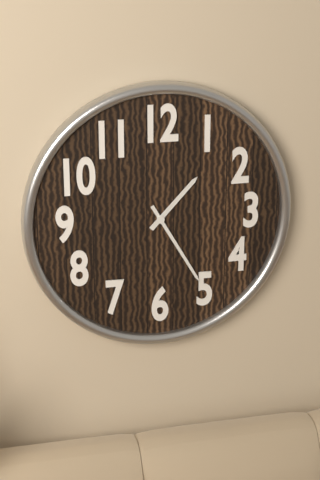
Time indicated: 1:25
